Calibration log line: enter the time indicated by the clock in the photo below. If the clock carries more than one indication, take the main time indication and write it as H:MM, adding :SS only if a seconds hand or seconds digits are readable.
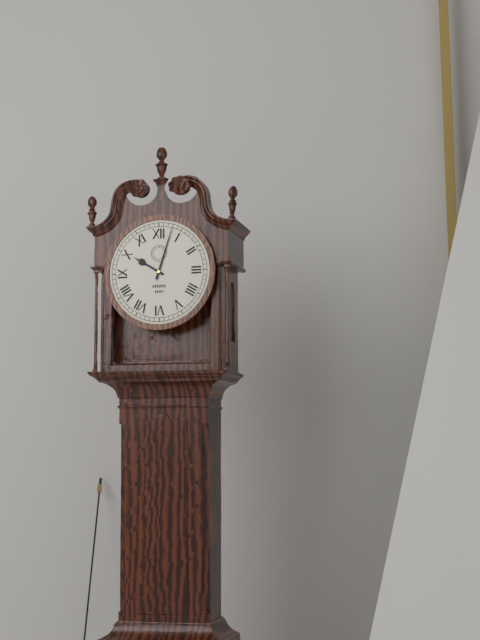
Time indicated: 10:03
